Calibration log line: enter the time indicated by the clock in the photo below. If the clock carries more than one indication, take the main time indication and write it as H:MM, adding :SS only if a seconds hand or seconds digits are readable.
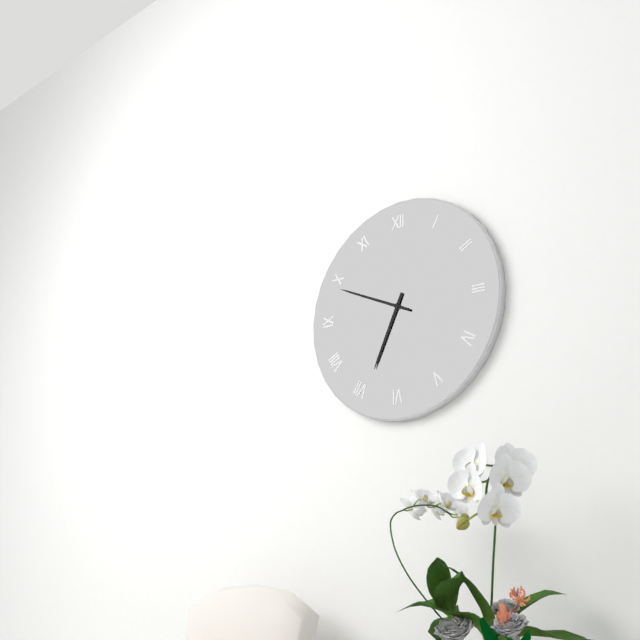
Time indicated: 6:49
